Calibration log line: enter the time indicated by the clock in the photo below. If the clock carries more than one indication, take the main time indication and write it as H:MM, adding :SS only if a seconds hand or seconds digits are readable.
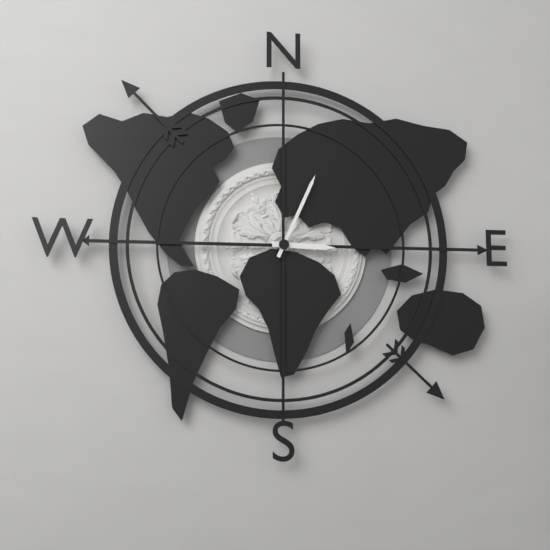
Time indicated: 3:04
